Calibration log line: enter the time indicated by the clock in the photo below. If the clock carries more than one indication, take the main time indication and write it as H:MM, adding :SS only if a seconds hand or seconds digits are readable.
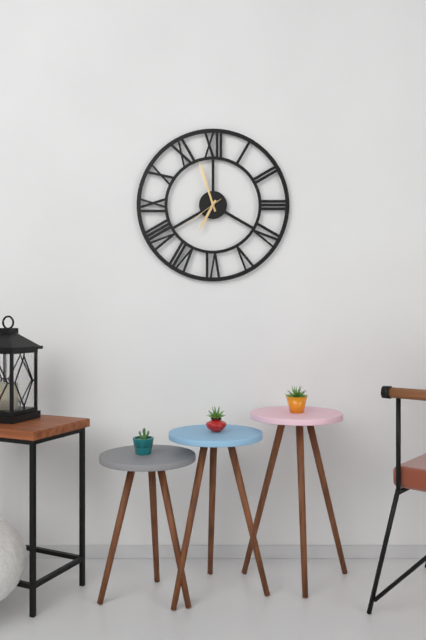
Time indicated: 6:57
